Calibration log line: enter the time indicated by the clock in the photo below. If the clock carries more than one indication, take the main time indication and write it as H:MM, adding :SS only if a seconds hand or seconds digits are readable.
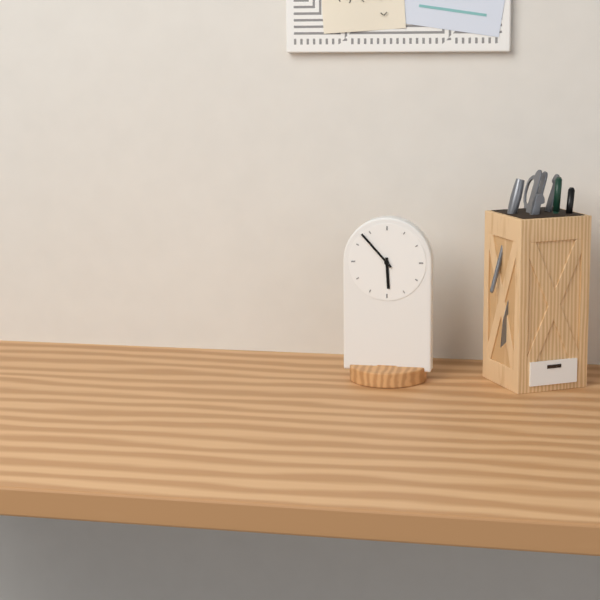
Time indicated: 5:53
